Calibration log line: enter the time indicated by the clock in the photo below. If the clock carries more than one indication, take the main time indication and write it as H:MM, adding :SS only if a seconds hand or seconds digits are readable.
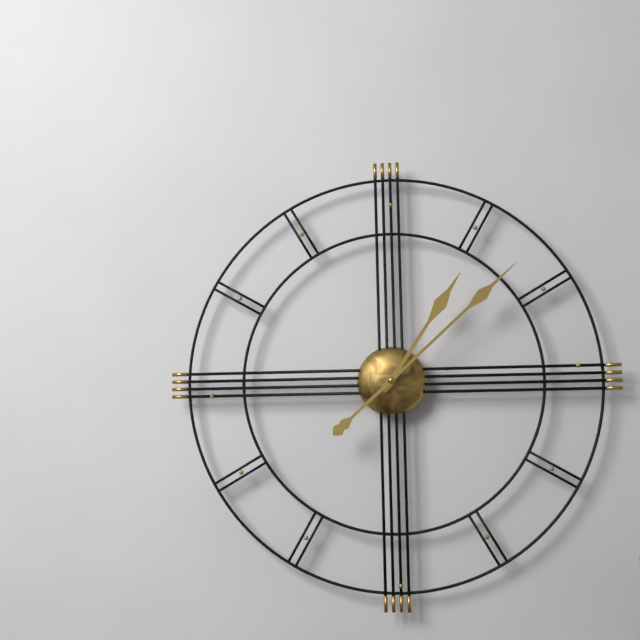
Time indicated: 1:08
